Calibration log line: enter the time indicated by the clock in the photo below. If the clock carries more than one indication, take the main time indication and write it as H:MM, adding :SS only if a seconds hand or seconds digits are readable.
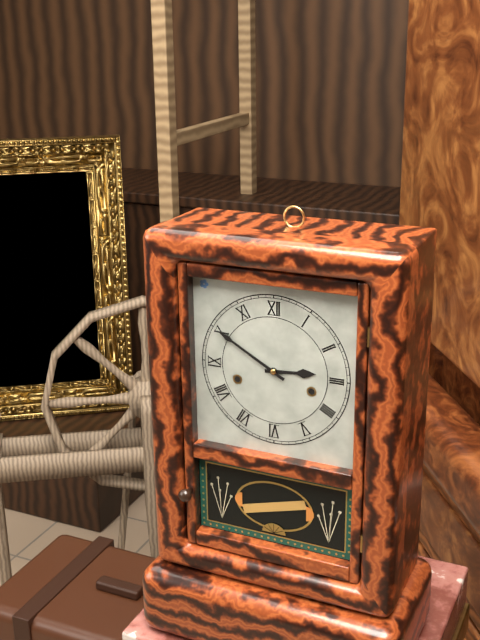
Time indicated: 2:50
